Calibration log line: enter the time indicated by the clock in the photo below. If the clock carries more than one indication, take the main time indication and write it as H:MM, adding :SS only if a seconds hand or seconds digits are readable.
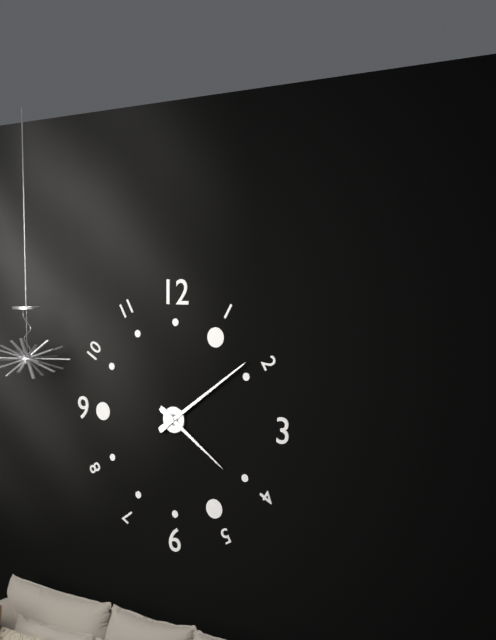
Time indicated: 4:09
